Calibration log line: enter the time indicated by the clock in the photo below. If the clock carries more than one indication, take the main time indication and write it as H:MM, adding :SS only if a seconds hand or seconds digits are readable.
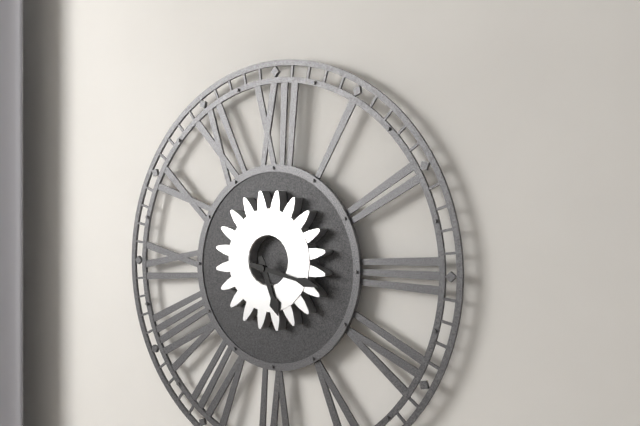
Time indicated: 5:17
